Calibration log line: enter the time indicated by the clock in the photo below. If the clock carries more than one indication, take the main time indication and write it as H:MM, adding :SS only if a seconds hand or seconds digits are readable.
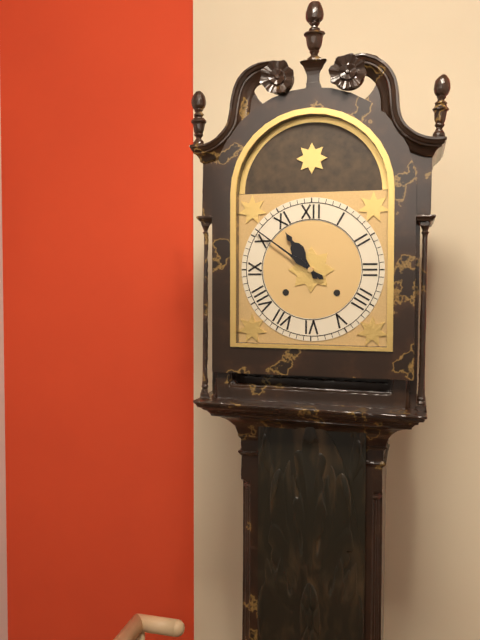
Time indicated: 10:51
